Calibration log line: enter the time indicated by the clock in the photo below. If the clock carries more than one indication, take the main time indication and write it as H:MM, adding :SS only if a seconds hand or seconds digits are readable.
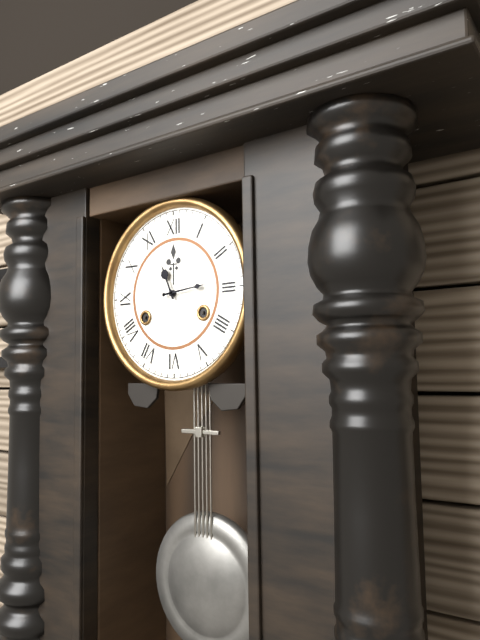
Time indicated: 11:14
